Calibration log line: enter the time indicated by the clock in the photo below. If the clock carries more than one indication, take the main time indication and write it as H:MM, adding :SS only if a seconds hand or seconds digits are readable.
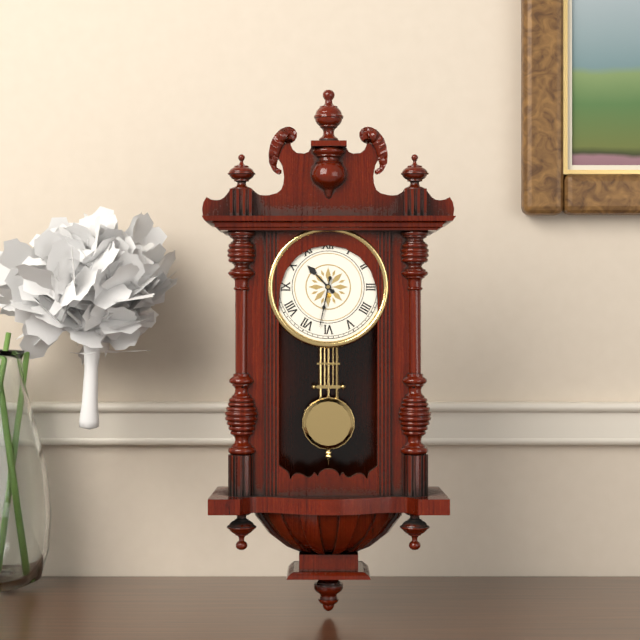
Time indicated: 10:32
